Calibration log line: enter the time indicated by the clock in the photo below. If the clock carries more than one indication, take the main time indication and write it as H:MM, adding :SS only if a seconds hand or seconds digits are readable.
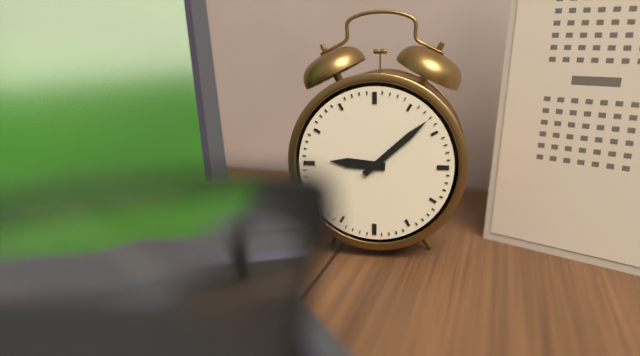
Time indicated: 9:08
